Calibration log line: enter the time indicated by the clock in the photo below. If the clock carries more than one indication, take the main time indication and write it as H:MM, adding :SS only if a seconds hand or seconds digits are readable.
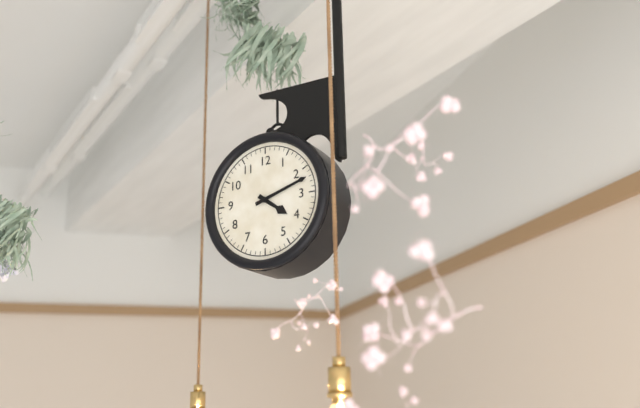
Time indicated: 4:12
